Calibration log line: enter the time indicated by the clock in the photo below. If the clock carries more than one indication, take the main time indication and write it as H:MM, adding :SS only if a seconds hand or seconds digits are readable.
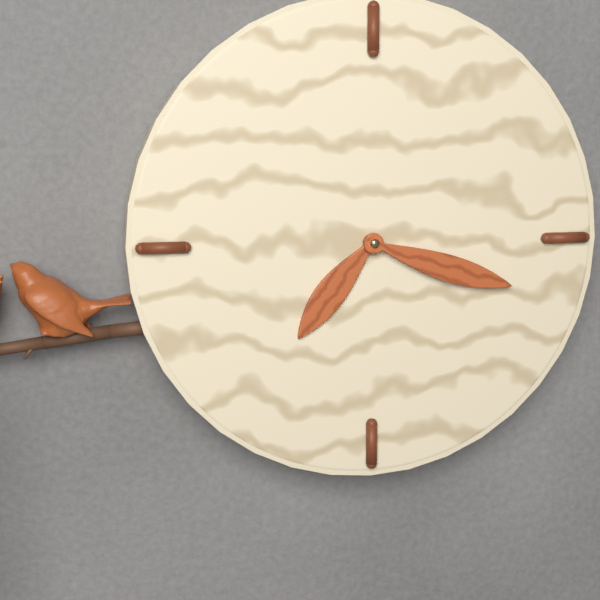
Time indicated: 7:18
